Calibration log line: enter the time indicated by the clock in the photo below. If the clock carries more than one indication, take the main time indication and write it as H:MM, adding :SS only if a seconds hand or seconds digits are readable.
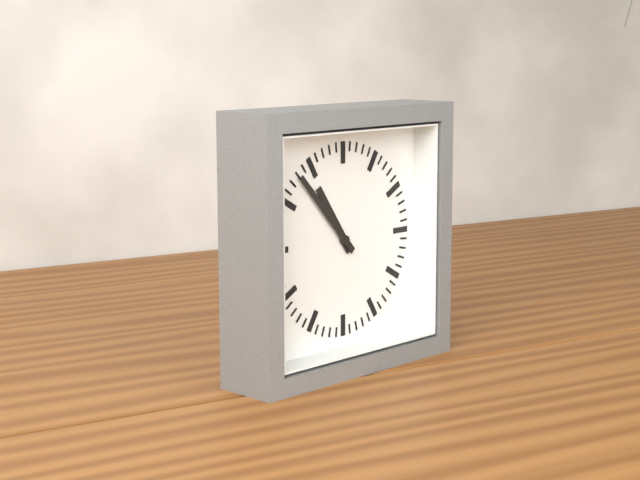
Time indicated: 10:53
